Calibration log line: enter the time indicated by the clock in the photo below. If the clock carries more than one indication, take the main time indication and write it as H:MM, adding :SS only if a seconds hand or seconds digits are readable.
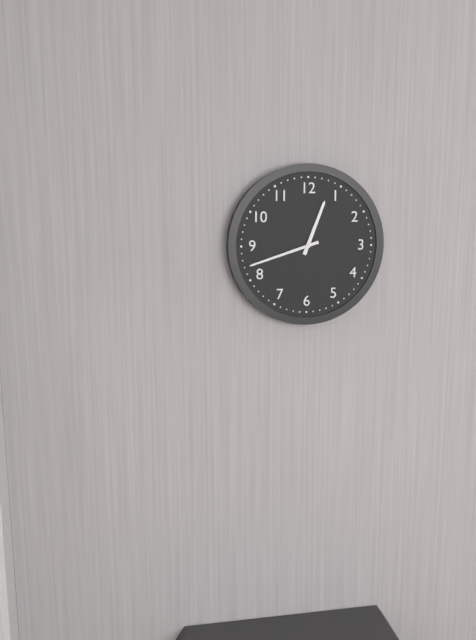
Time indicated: 12:42
